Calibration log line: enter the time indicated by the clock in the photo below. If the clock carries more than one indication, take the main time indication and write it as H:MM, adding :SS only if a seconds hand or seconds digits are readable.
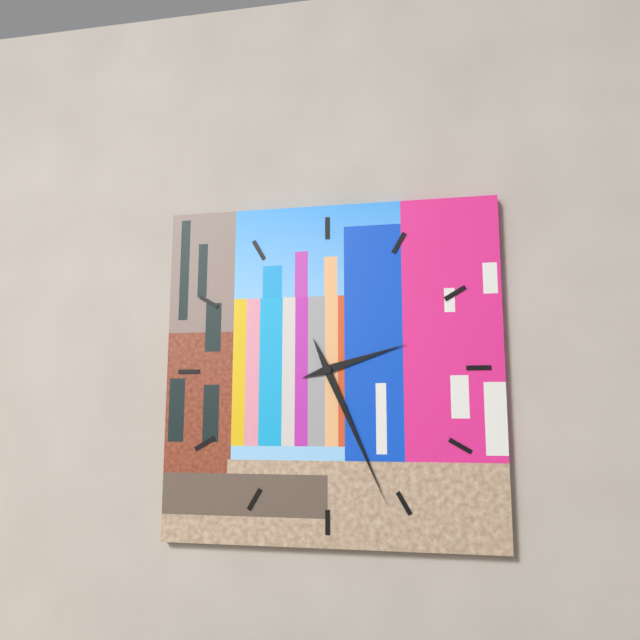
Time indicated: 2:26
